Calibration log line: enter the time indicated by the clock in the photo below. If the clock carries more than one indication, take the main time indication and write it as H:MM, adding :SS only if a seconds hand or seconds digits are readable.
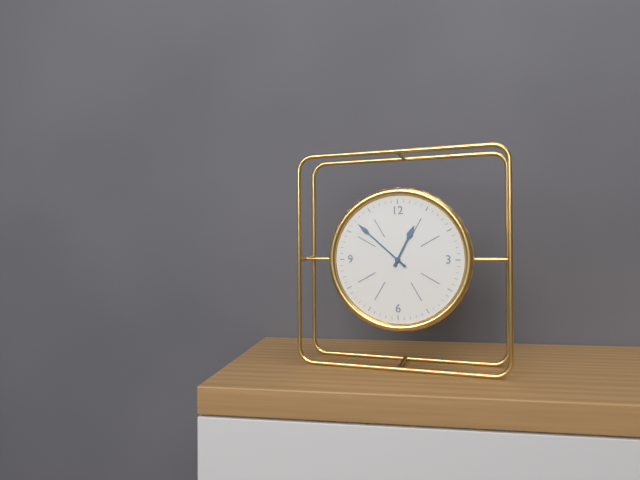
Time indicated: 12:52
